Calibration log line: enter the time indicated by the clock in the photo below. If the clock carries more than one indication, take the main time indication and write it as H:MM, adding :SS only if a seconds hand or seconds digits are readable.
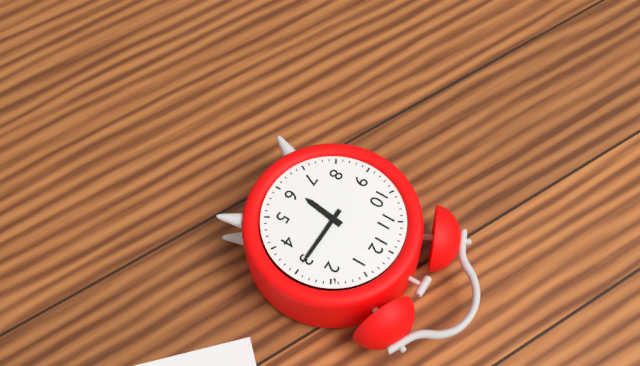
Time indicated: 6:15
